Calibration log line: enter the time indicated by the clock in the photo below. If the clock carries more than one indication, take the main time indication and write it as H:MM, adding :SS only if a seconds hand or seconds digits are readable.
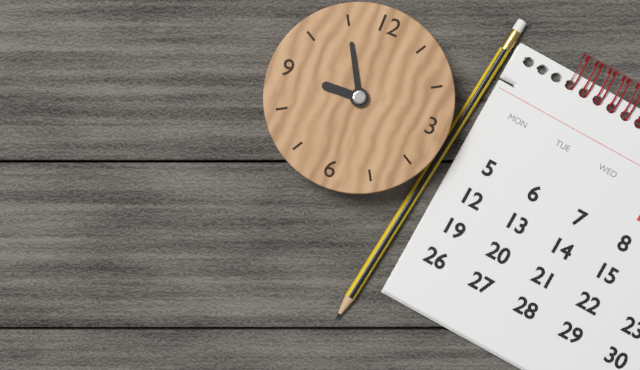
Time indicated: 8:55
